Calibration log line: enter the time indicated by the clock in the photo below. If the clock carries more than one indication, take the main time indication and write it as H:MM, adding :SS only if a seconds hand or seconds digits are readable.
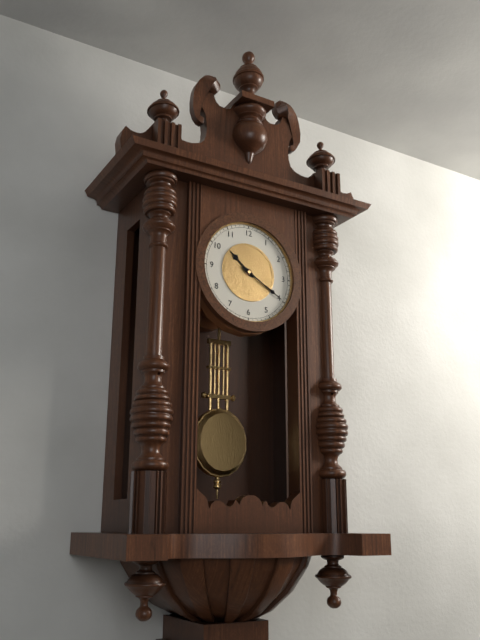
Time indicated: 10:20
